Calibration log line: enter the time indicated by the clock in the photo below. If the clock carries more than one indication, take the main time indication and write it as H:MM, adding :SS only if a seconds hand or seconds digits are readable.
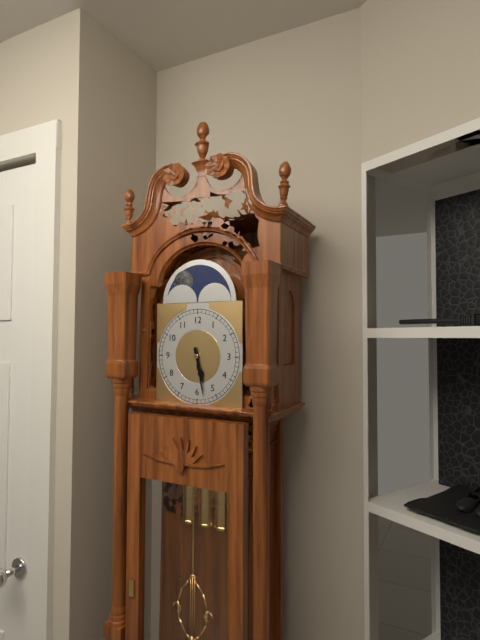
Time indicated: 5:28
